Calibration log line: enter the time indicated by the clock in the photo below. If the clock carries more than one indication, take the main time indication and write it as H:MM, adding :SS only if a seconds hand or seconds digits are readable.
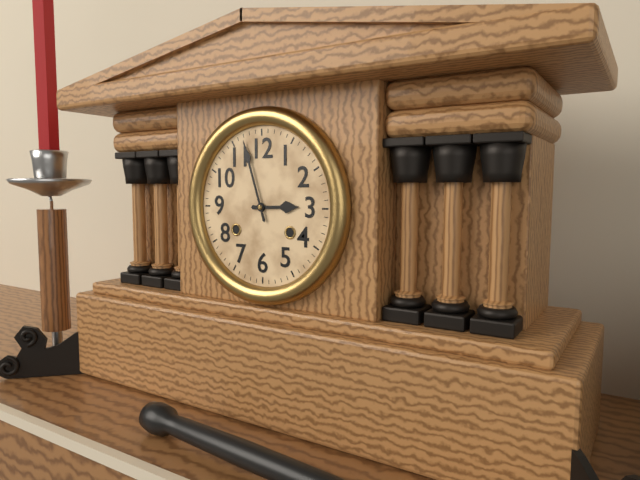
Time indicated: 2:57
